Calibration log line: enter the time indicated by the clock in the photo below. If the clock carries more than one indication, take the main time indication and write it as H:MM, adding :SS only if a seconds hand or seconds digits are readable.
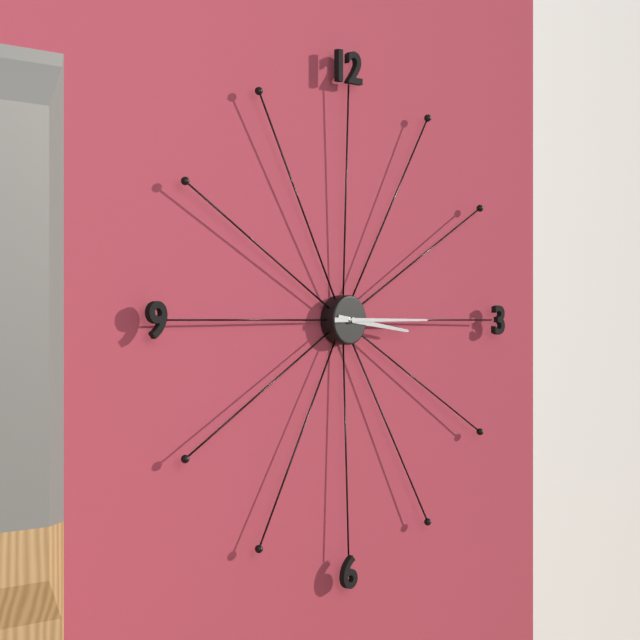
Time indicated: 3:15
